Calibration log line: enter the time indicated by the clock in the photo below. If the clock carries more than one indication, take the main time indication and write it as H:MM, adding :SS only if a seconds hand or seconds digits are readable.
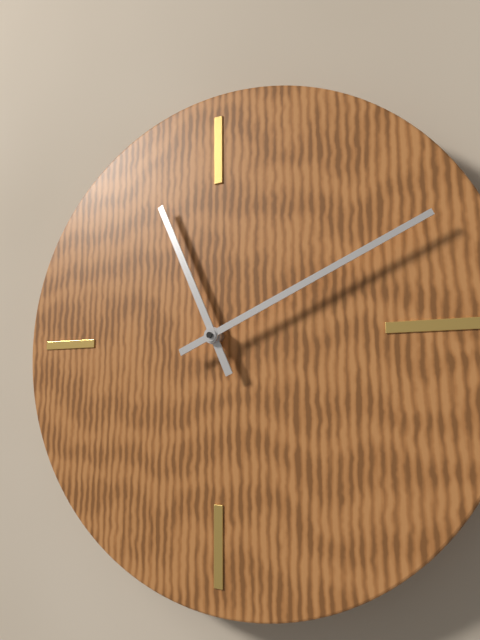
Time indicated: 11:11
